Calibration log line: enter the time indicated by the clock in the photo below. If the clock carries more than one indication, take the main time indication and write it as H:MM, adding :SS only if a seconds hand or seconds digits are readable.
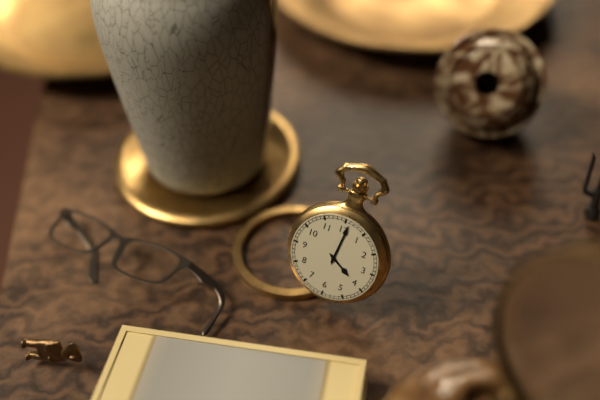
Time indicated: 4:01
